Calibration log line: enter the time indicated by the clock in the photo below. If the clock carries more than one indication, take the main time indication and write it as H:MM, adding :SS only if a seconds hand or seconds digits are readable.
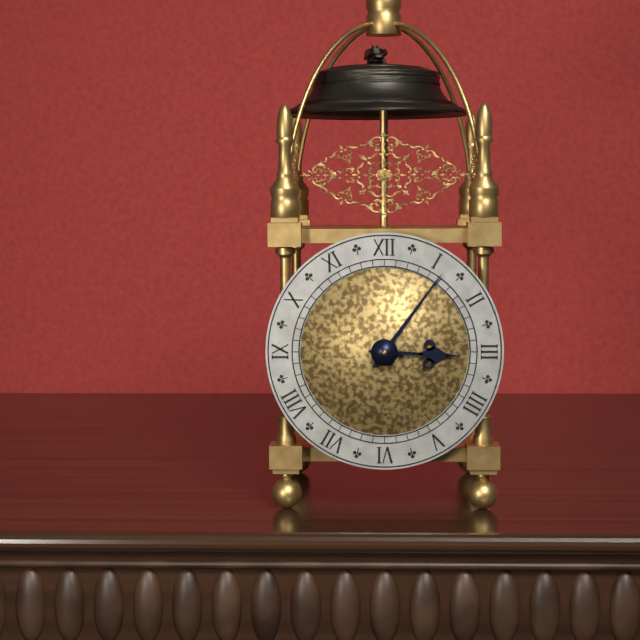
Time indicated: 3:06
